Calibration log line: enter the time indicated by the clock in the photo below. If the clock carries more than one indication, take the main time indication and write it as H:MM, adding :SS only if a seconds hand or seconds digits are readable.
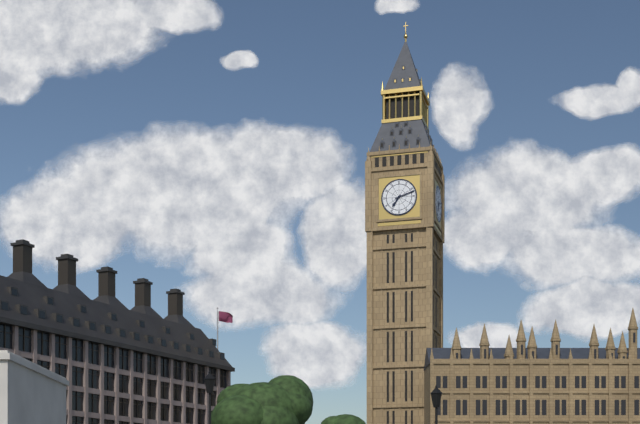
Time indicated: 7:12
